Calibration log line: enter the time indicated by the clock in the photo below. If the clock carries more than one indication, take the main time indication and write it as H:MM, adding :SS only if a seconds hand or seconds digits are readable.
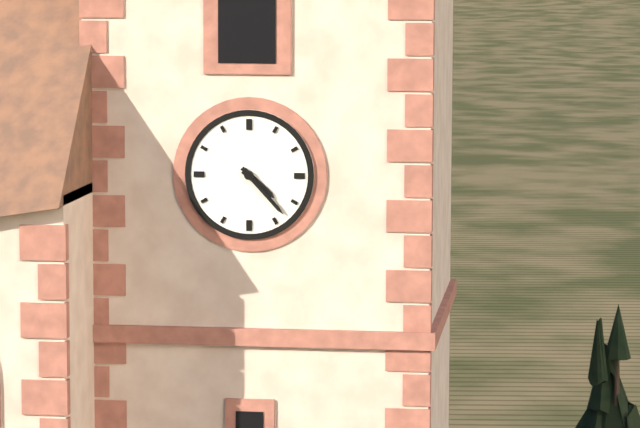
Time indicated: 4:23
